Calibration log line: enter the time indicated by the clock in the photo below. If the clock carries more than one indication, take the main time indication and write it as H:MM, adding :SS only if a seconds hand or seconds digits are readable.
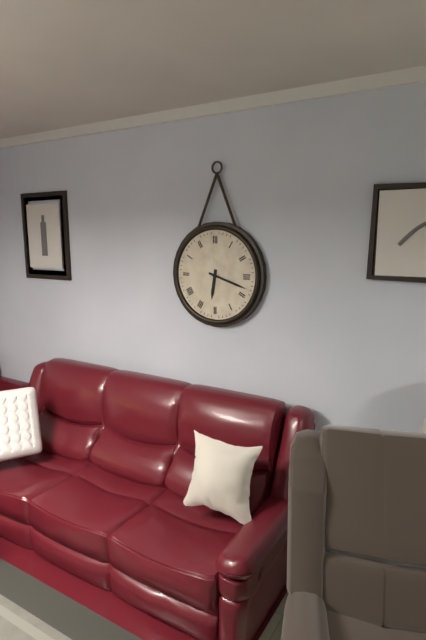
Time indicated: 6:18
